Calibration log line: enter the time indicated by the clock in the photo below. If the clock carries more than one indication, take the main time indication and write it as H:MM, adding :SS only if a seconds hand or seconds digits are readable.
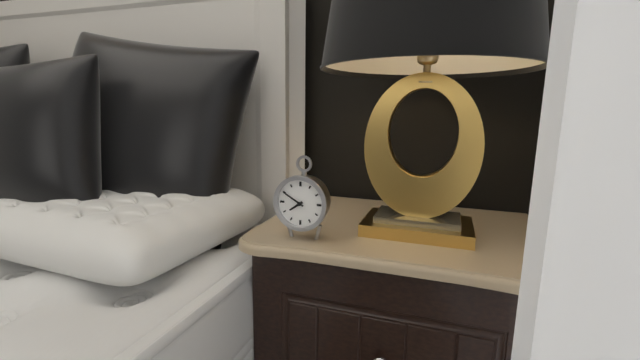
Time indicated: 7:50
